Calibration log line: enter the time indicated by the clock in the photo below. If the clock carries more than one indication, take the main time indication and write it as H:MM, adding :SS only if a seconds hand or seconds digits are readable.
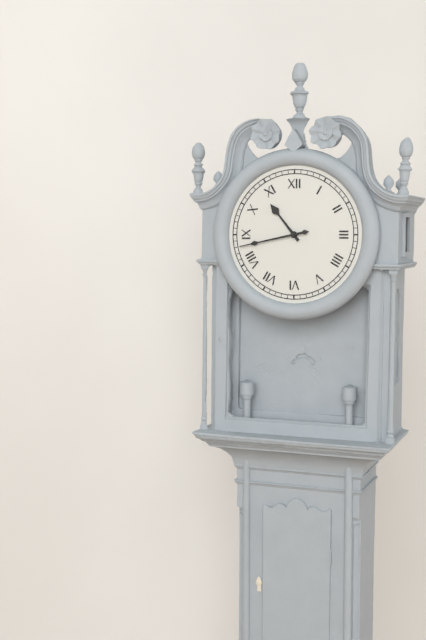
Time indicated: 10:43
